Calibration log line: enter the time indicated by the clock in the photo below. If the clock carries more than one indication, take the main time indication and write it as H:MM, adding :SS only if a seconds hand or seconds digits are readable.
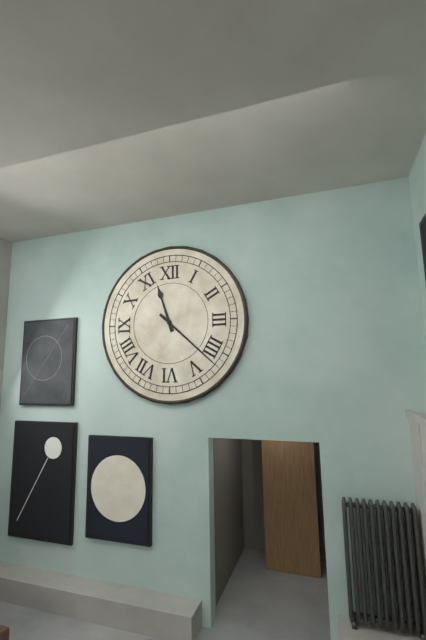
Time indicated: 11:22
